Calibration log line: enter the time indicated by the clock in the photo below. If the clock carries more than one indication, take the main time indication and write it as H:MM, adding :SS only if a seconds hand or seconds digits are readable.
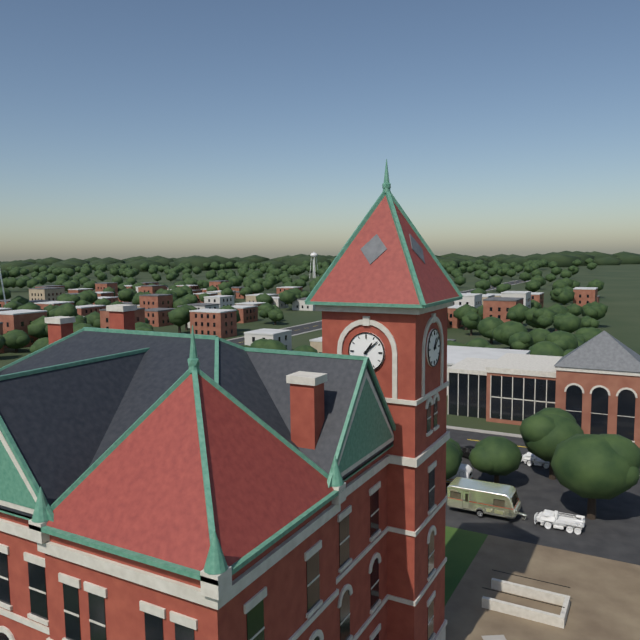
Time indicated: 1:08
